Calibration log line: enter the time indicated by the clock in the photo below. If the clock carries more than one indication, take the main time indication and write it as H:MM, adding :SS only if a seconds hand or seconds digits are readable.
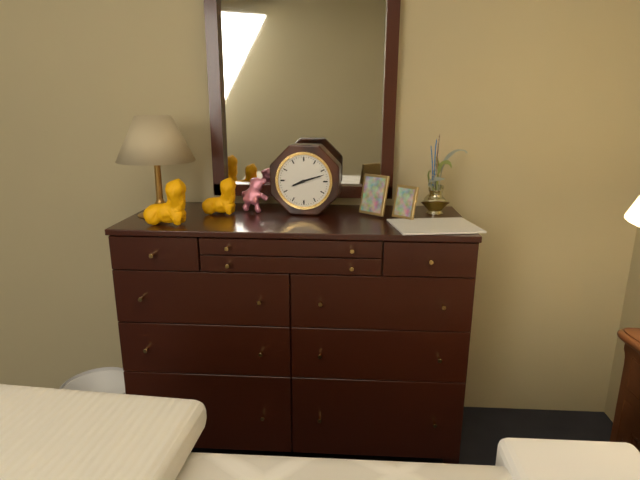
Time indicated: 8:12
